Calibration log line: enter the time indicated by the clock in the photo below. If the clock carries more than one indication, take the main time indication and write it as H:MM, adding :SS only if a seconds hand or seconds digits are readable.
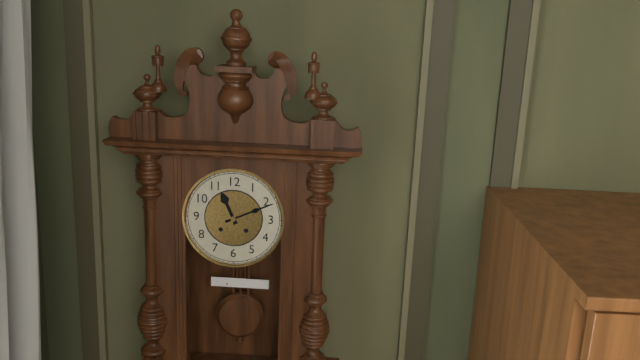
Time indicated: 11:11
